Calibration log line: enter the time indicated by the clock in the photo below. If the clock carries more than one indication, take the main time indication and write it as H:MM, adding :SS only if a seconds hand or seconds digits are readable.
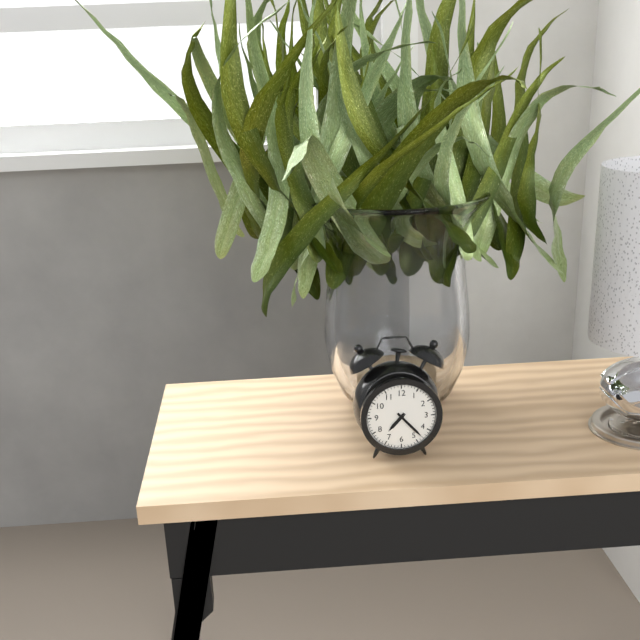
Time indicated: 7:23
